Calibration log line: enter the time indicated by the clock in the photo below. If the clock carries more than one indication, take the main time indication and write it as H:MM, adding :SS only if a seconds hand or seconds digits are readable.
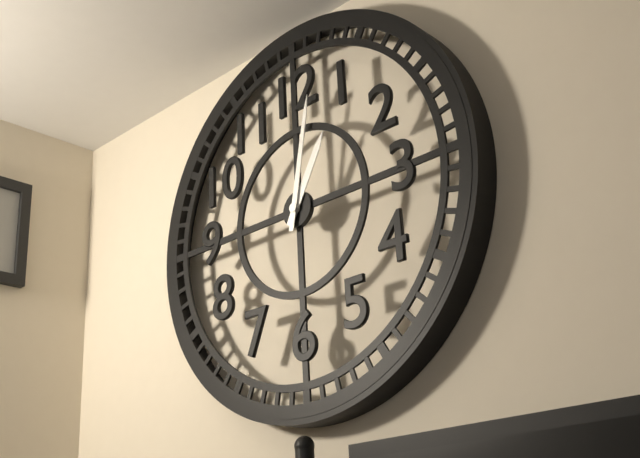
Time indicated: 1:02
